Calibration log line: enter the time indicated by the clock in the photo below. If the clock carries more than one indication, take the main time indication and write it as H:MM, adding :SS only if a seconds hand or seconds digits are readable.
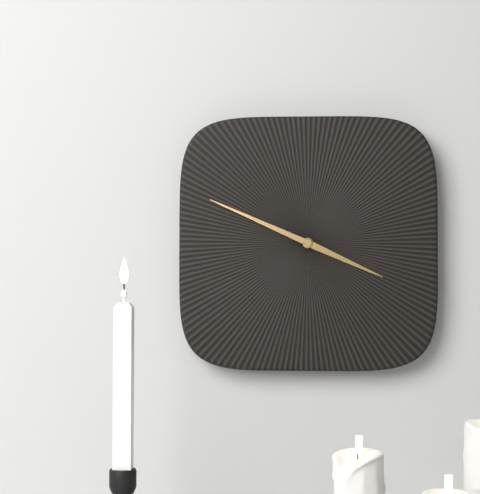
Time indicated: 3:49
